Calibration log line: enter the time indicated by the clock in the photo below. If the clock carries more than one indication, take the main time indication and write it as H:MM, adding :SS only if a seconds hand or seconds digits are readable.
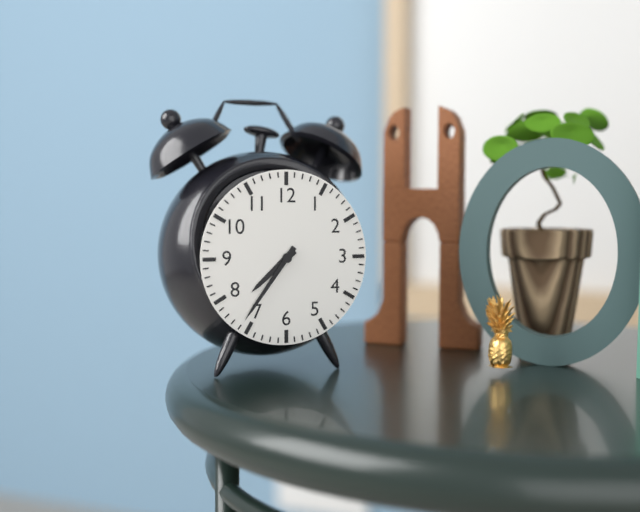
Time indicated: 7:36
